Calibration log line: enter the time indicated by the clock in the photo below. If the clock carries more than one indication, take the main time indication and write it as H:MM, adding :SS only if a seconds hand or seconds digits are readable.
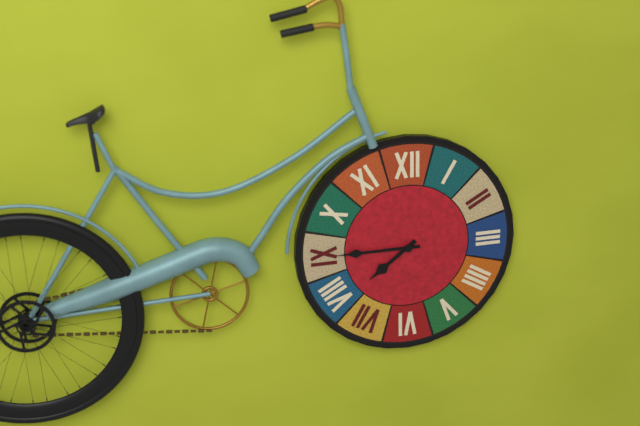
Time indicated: 7:45
